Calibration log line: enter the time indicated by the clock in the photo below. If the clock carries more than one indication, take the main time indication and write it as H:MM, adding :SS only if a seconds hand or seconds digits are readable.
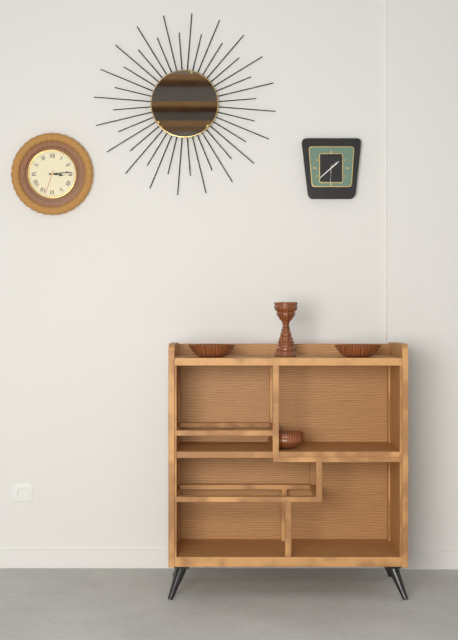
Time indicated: 3:14
